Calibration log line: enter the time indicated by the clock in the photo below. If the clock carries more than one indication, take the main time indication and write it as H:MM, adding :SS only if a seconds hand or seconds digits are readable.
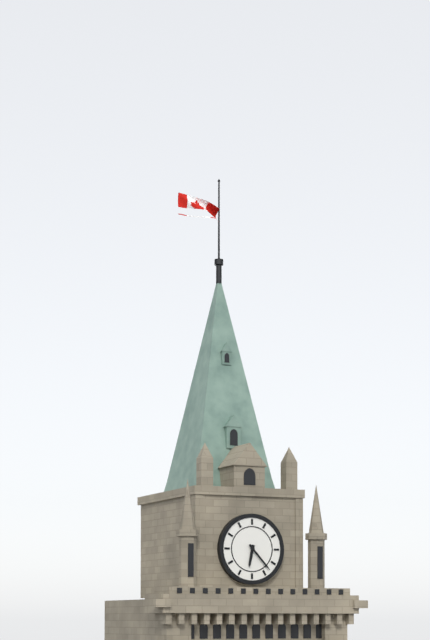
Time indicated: 6:23
